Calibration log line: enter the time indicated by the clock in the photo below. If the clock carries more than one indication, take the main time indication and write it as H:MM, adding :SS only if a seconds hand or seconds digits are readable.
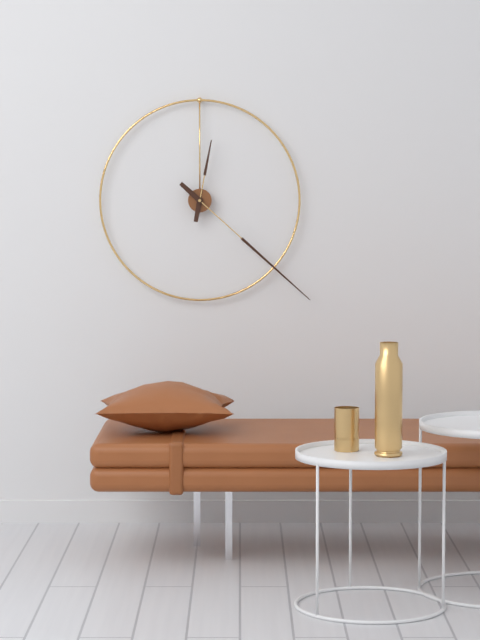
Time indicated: 12:22
